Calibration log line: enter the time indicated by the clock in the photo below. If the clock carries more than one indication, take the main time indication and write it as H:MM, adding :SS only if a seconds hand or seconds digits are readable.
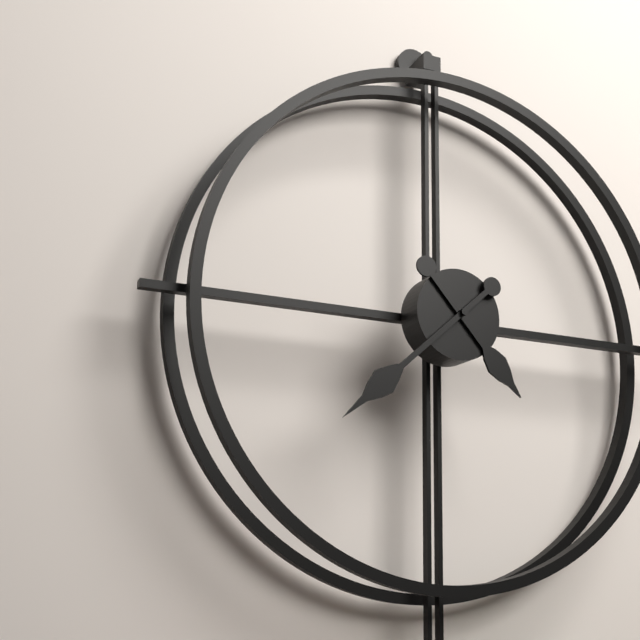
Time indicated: 4:38
